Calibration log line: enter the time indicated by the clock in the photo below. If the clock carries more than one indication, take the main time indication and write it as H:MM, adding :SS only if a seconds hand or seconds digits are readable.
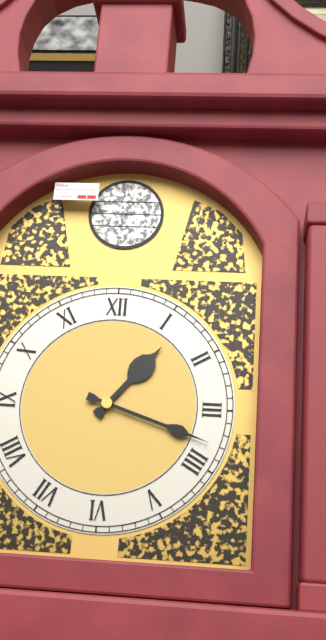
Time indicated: 1:18
